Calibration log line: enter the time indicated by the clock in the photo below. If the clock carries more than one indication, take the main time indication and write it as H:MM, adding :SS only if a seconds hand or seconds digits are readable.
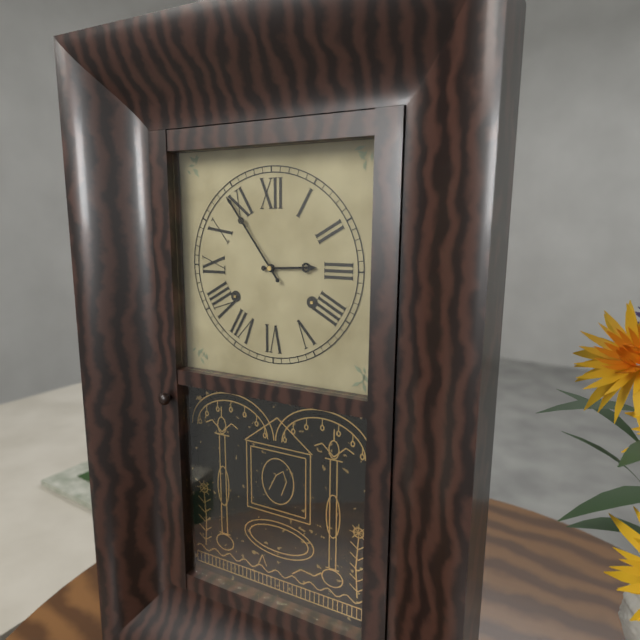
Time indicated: 2:54
